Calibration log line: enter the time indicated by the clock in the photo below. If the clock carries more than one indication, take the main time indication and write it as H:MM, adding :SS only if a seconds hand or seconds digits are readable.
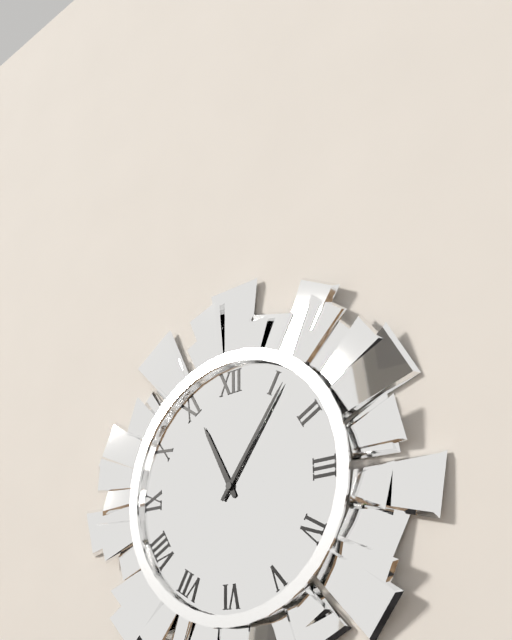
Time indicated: 11:06
